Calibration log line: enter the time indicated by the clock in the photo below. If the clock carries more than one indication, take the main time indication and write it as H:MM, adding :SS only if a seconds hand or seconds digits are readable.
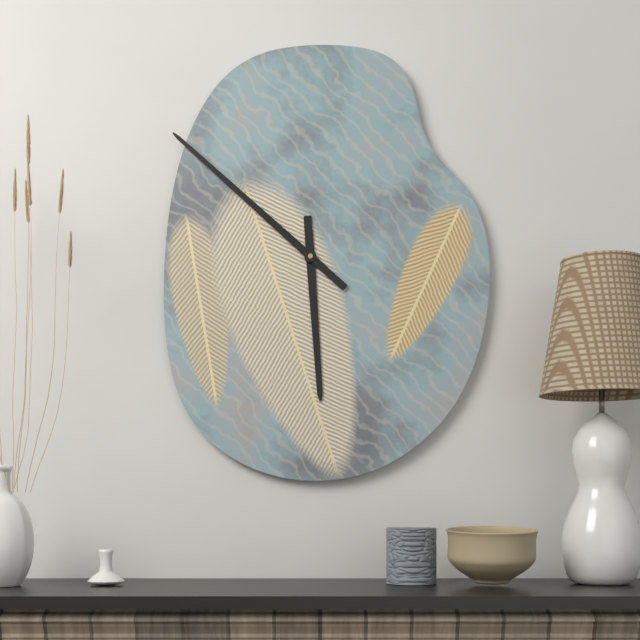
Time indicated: 5:52
